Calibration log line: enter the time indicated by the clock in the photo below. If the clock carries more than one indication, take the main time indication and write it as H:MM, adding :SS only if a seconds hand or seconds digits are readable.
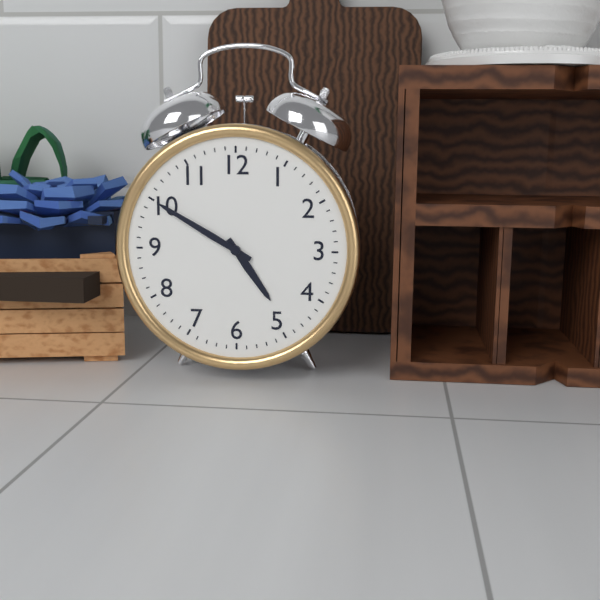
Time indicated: 4:50
